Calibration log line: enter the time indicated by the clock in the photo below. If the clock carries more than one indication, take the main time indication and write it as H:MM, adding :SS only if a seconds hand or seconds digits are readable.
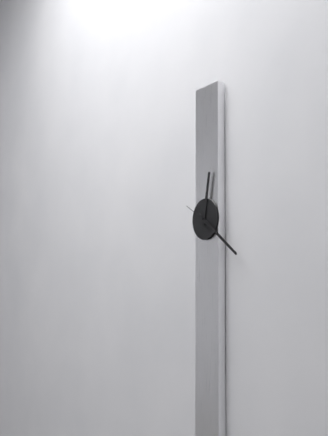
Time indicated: 12:21
